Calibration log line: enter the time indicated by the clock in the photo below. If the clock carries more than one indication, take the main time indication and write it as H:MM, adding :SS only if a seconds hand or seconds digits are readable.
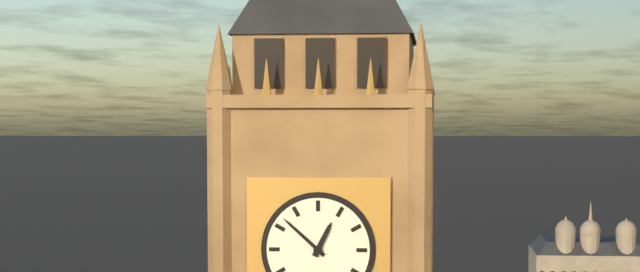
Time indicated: 12:52
